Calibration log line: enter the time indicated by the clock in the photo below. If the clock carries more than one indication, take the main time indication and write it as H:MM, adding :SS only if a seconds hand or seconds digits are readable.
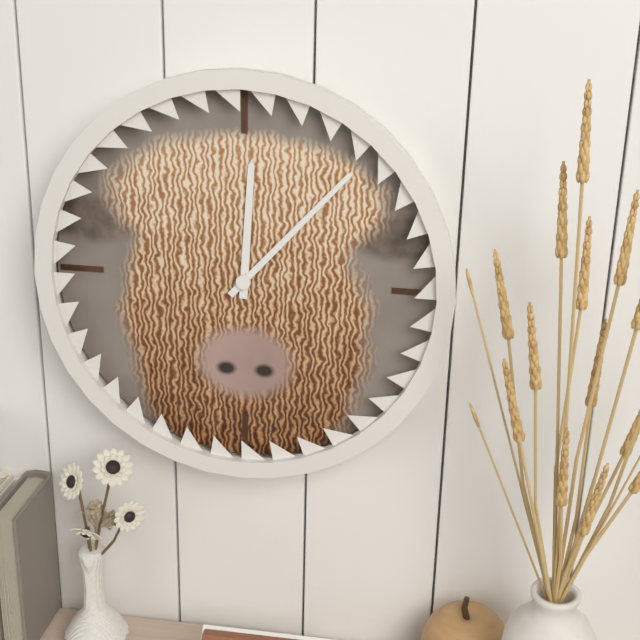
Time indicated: 12:07
